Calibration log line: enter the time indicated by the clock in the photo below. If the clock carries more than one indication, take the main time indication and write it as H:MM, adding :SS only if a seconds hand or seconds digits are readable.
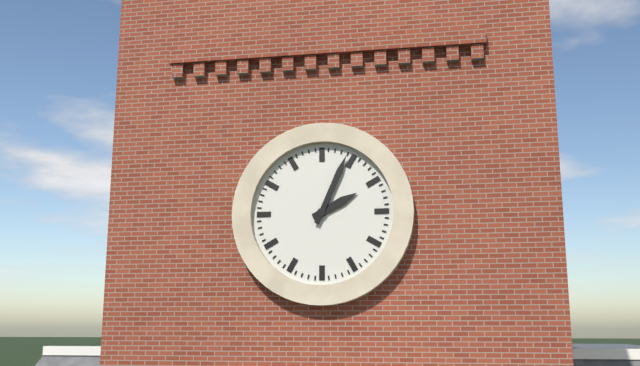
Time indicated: 2:04
